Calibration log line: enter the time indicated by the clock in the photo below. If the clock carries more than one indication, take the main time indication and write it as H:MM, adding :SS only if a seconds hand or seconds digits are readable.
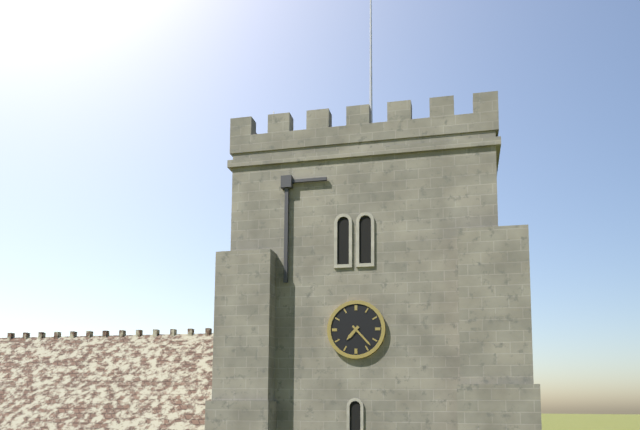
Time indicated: 7:23
